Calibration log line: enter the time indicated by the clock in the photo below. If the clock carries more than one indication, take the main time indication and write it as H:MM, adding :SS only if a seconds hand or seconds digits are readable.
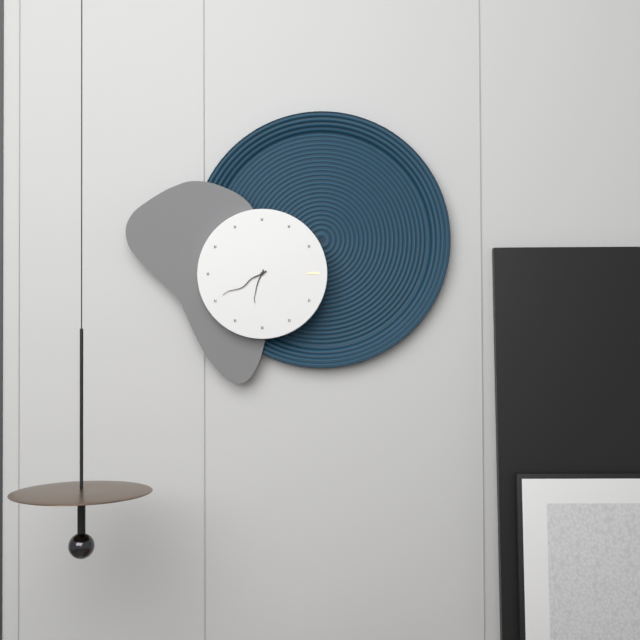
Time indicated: 6:40
